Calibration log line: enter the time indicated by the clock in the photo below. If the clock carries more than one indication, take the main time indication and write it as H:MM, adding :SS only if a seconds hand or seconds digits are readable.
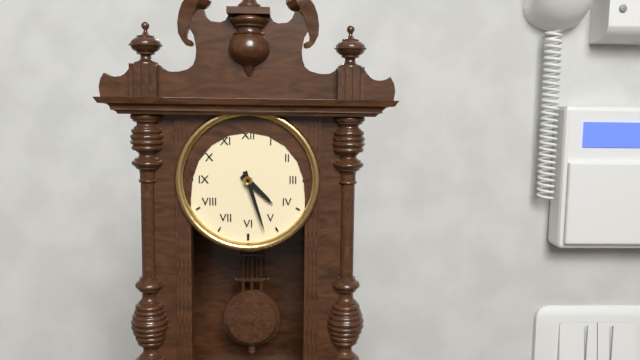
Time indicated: 4:27
